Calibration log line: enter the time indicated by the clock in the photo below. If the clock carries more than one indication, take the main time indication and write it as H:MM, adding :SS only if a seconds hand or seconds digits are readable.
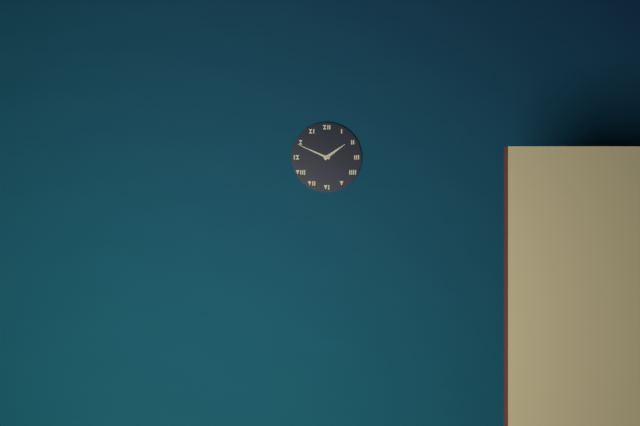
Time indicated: 1:49
